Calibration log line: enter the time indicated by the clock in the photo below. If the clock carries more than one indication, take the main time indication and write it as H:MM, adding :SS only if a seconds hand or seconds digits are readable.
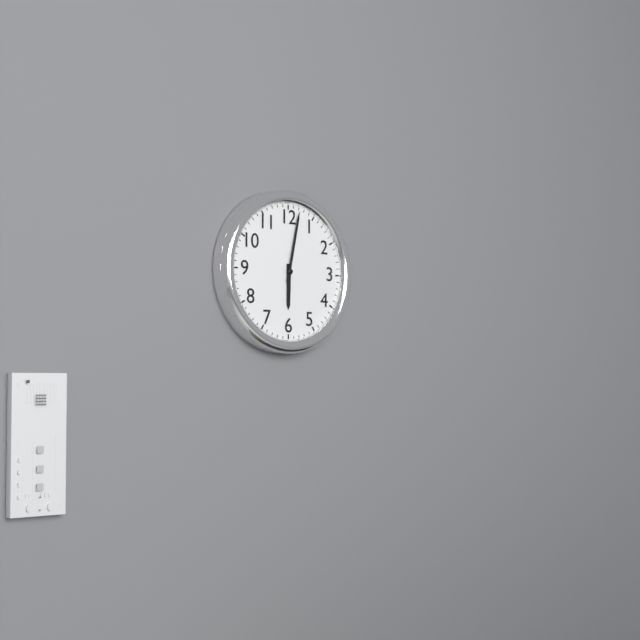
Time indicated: 6:02
